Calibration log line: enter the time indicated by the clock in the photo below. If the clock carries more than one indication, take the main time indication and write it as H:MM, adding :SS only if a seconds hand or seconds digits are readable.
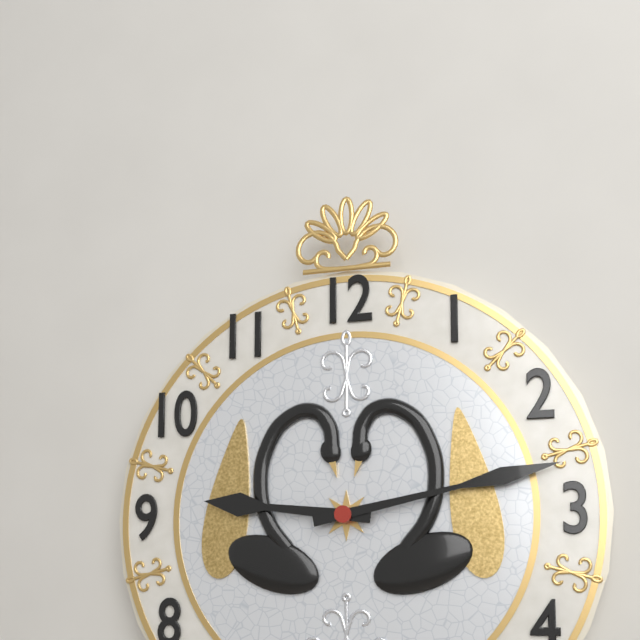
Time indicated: 9:13
